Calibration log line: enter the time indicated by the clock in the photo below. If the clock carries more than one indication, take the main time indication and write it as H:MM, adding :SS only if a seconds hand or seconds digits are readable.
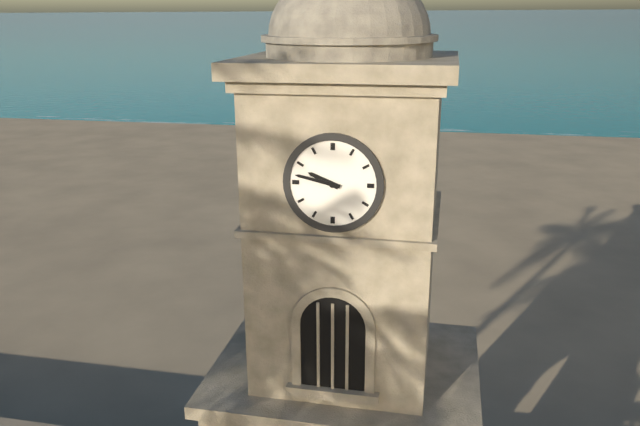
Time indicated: 9:47
